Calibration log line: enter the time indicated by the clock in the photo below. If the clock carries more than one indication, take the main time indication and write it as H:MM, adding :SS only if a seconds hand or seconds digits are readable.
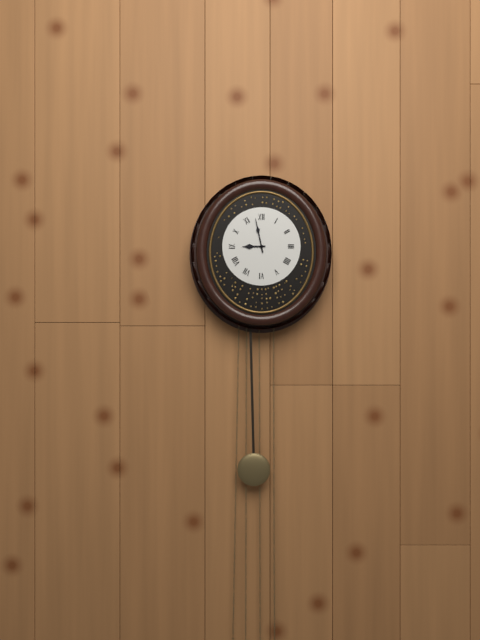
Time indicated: 8:58
